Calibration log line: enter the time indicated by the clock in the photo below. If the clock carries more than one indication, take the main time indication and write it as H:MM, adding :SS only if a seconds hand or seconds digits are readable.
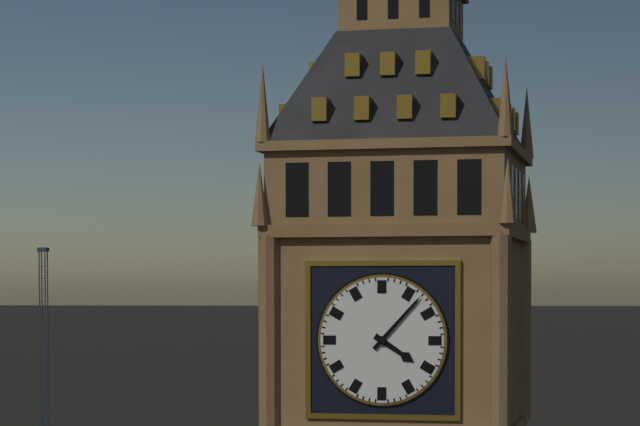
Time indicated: 4:07
